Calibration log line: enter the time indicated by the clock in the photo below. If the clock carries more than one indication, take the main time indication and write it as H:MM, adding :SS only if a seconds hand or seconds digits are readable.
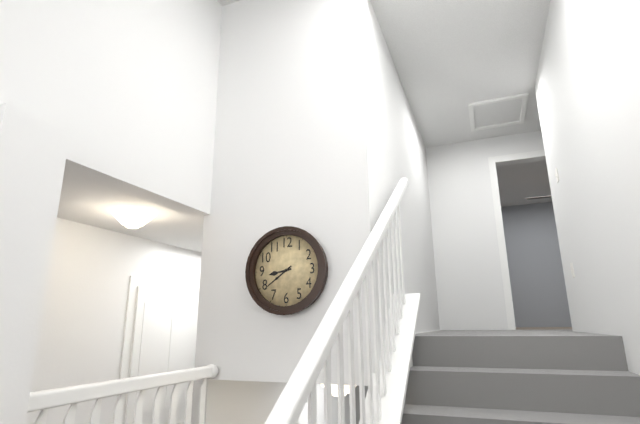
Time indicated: 8:39
